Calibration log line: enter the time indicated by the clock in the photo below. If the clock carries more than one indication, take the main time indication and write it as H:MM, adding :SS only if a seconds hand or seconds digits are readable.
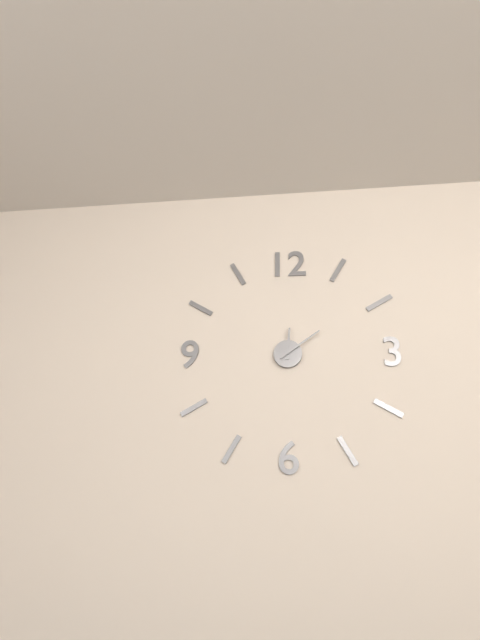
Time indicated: 12:09
